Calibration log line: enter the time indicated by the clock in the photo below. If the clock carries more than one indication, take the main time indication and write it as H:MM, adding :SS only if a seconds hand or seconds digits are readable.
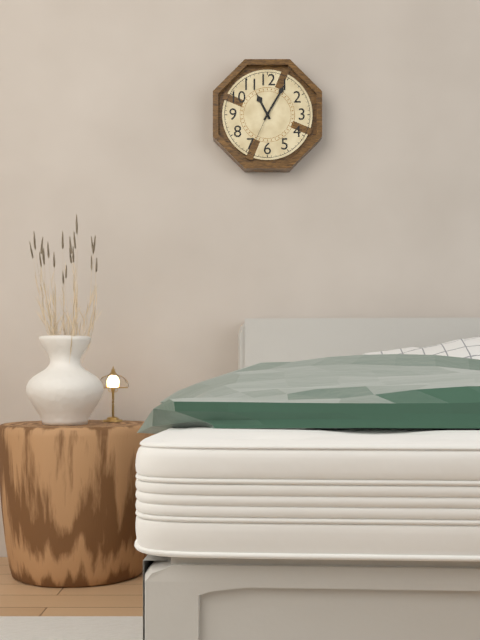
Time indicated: 11:05
